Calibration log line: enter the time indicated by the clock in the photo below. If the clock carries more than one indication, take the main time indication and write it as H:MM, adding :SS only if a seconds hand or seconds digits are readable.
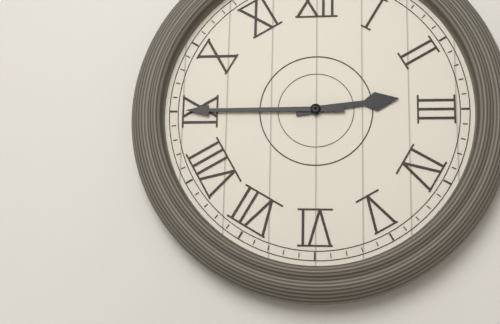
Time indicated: 2:45
